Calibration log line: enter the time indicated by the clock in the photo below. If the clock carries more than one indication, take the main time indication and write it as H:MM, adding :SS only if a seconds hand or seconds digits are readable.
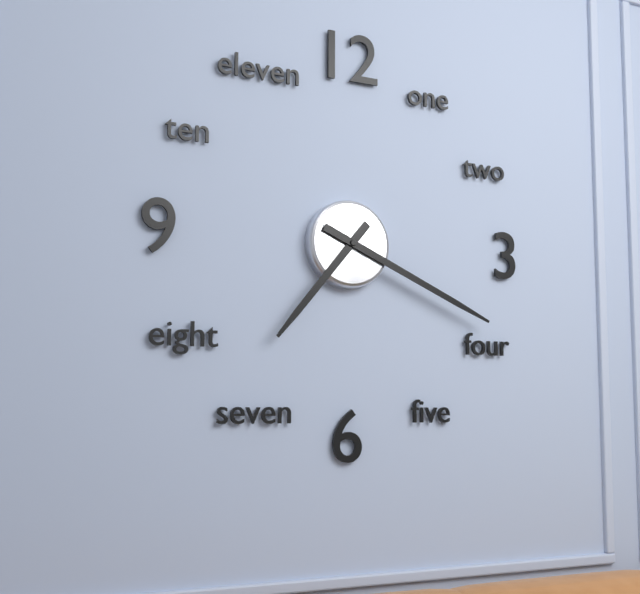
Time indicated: 7:19
